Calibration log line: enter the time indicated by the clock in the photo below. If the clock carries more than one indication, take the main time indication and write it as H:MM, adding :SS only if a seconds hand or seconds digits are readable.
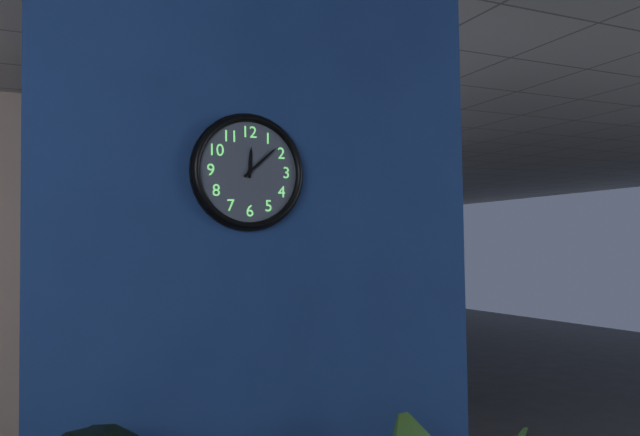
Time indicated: 12:08
